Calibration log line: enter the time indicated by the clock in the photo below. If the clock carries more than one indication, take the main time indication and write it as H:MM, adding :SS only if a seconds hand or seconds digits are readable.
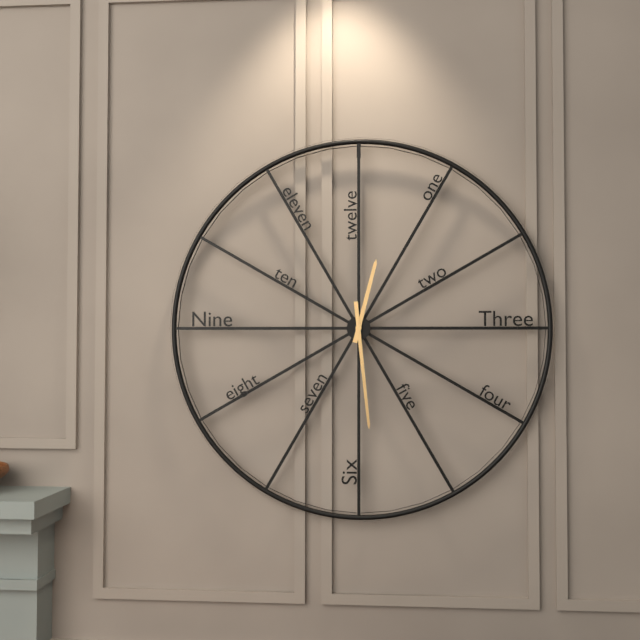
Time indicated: 12:29
